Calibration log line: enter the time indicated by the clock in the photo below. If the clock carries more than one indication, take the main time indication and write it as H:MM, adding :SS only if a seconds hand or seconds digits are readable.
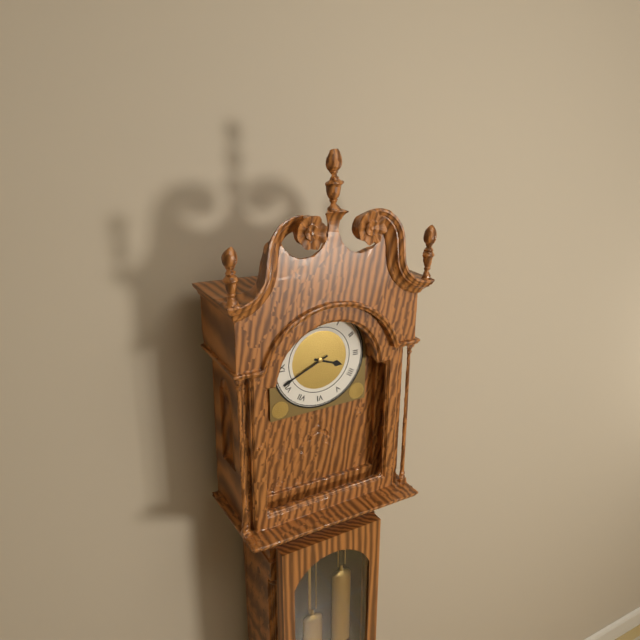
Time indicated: 3:41
